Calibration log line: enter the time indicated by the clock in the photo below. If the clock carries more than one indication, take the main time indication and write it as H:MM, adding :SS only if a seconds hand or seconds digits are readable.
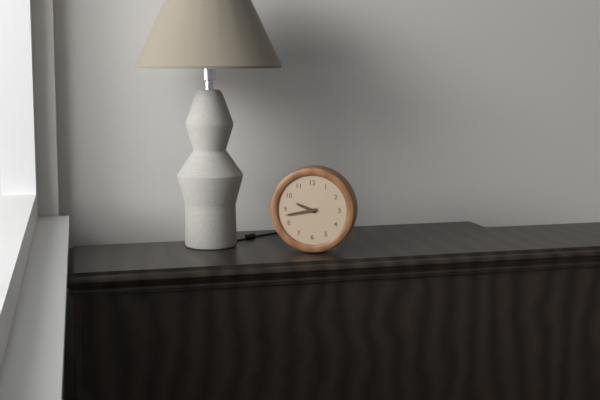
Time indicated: 9:43
